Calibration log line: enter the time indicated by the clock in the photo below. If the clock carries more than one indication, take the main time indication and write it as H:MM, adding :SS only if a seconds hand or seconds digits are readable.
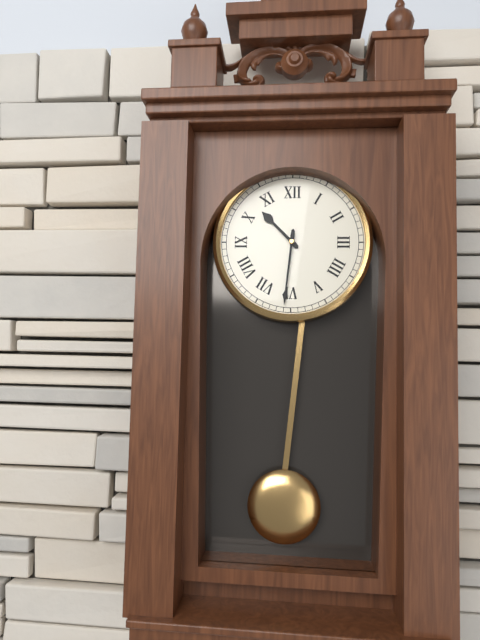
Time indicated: 10:31
